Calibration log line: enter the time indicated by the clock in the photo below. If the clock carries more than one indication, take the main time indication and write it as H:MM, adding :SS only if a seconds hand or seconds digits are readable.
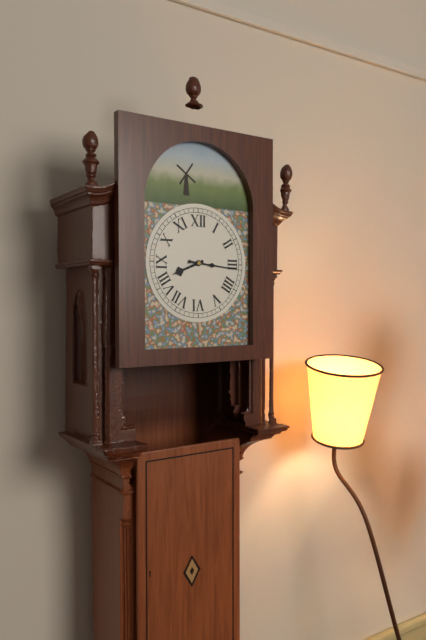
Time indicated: 8:16
